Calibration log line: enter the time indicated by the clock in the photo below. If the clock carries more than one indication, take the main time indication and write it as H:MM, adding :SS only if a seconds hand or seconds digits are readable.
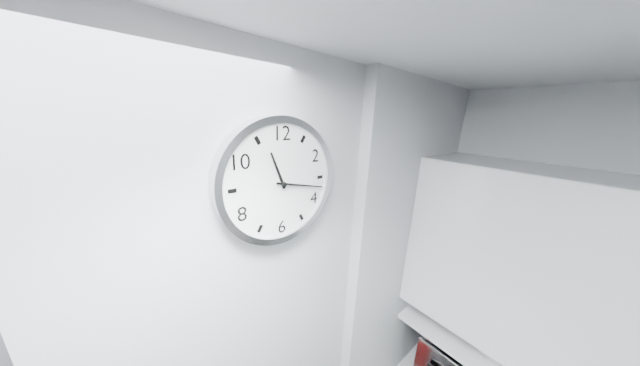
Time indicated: 11:17
